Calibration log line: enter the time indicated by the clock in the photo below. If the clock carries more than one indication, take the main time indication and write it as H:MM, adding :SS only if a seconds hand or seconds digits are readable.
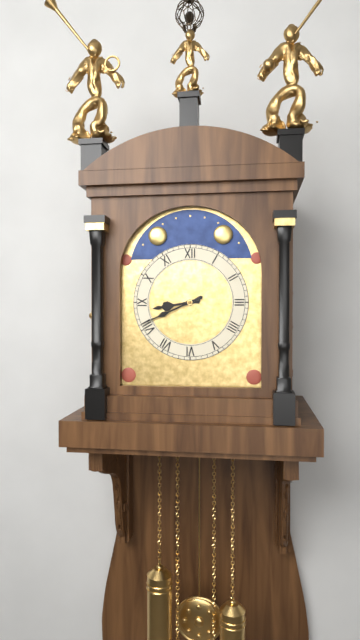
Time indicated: 8:41
